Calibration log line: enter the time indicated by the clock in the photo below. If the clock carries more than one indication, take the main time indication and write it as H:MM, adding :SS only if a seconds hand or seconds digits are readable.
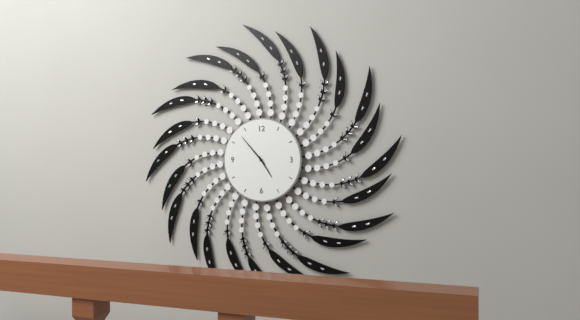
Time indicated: 4:53
